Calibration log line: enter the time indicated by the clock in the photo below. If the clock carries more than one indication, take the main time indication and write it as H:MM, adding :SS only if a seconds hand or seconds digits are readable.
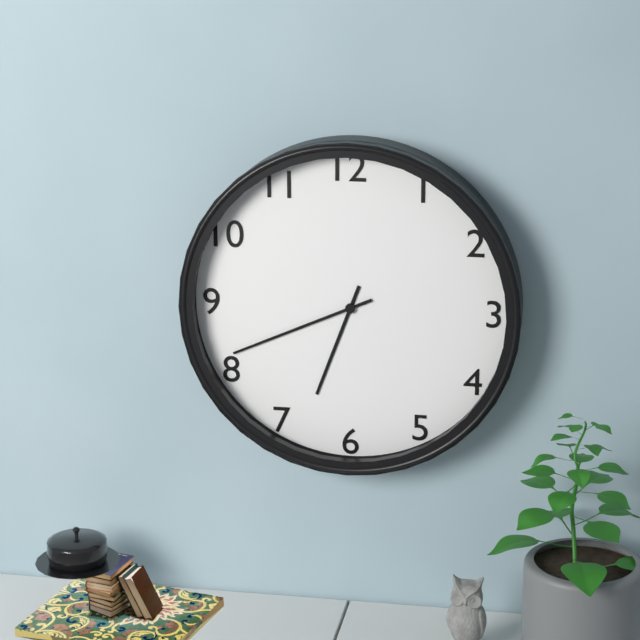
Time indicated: 6:41
